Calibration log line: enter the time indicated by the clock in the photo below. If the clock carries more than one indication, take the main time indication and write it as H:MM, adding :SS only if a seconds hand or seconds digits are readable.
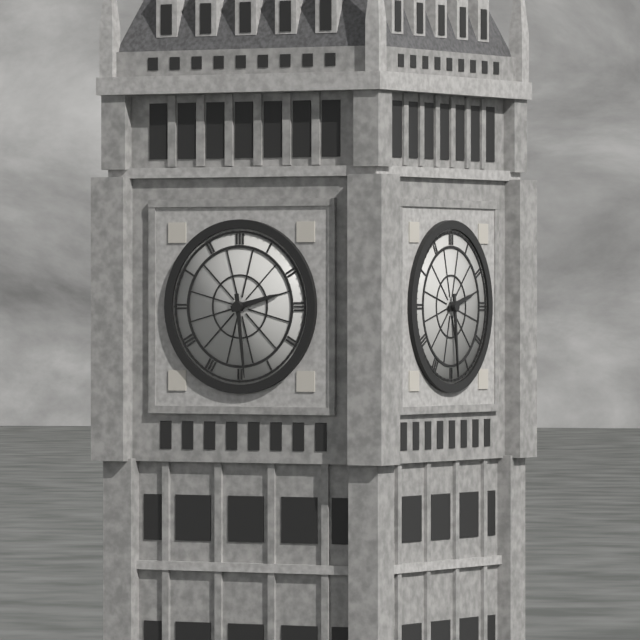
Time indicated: 2:29
